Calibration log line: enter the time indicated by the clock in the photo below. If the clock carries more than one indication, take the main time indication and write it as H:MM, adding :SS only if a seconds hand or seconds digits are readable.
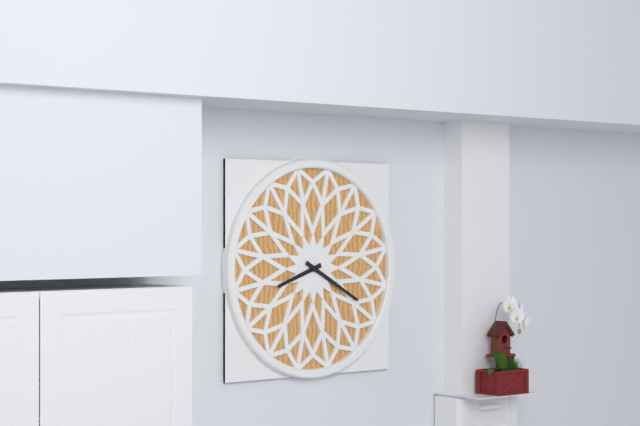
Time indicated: 8:20
